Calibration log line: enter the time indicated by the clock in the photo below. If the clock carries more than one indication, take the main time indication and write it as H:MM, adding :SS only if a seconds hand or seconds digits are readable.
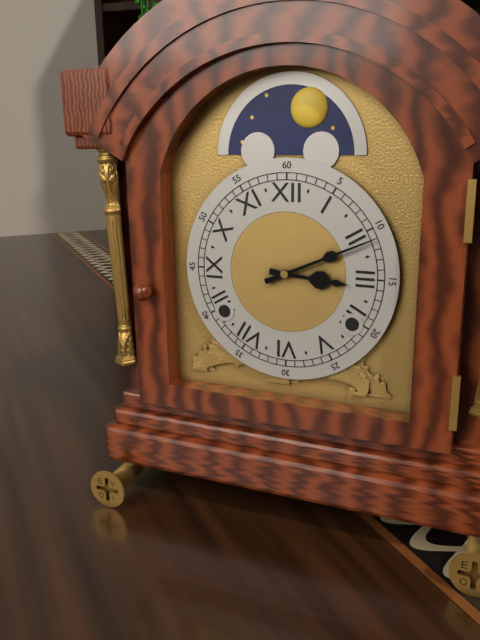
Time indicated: 3:11
